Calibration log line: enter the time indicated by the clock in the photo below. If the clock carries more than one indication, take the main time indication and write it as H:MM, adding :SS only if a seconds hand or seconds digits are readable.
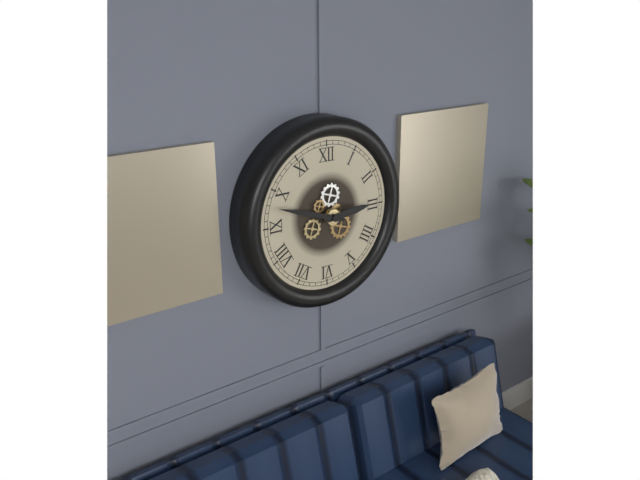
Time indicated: 2:48
